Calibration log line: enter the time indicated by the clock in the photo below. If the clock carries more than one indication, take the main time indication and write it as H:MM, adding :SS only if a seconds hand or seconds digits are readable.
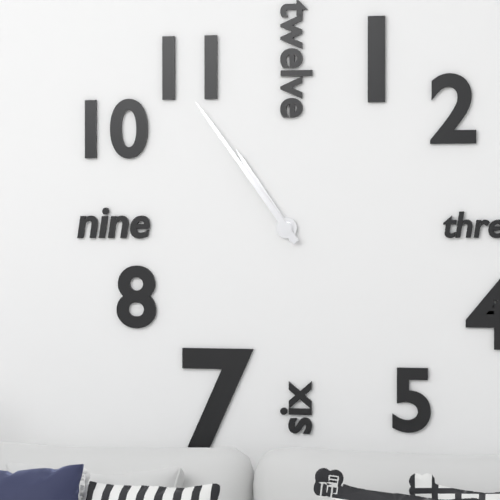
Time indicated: 10:54
